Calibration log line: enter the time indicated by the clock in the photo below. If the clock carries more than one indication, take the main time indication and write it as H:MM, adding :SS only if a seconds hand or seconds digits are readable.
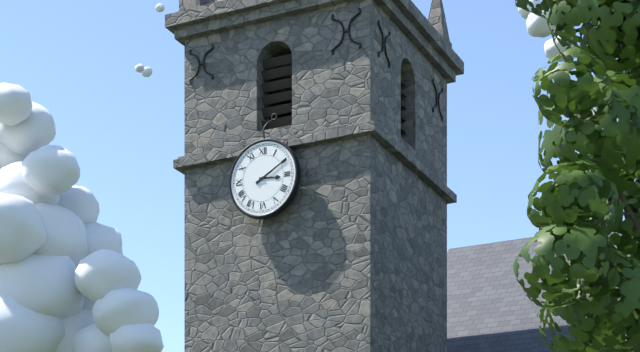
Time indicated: 3:10
